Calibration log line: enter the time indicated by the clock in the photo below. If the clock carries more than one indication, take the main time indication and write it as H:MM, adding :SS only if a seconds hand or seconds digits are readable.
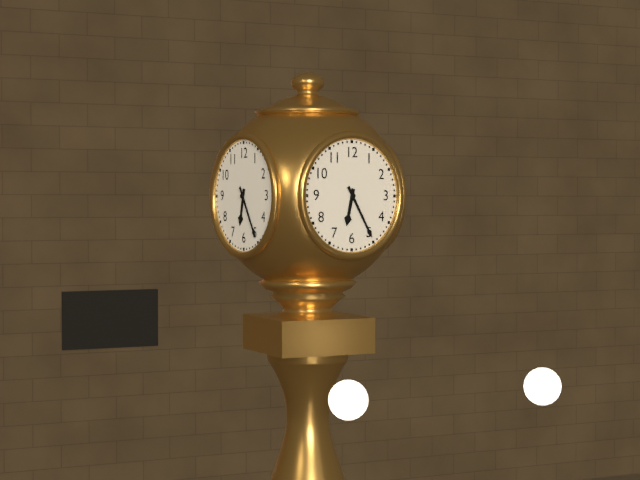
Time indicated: 6:25
